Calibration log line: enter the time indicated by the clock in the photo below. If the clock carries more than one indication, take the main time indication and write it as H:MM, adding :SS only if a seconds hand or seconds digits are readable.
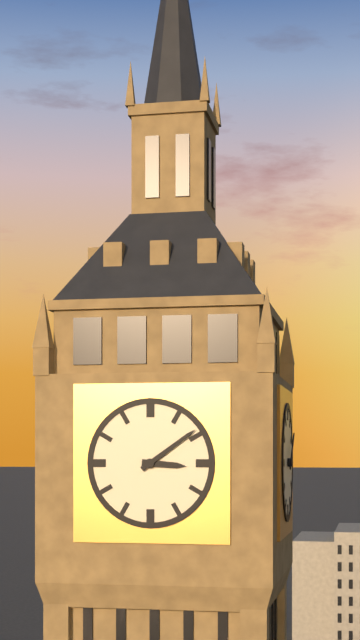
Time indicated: 3:09
